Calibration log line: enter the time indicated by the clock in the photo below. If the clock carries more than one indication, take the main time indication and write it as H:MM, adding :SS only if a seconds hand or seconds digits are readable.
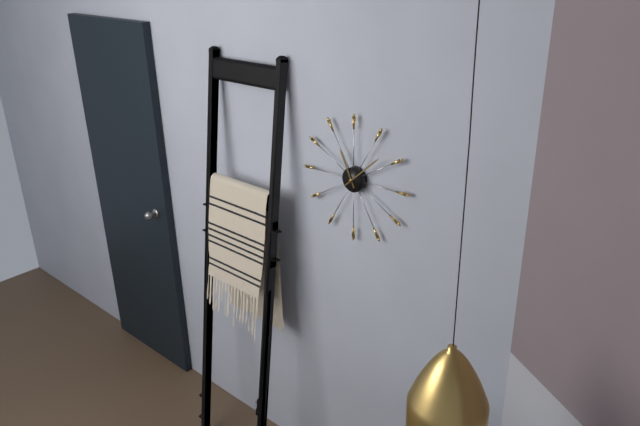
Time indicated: 11:08
